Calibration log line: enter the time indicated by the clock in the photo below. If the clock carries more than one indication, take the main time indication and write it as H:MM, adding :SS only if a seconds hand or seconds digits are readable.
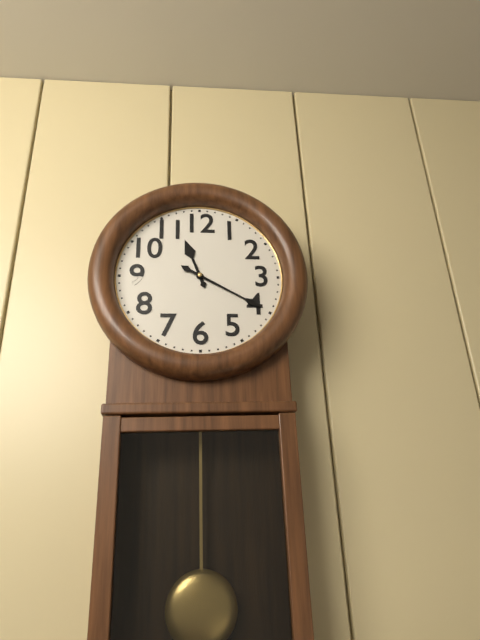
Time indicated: 11:20
